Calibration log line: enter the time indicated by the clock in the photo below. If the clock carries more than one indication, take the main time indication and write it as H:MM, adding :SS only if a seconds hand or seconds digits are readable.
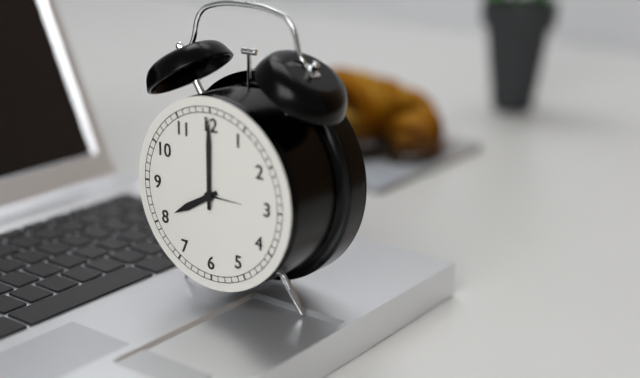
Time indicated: 8:00
